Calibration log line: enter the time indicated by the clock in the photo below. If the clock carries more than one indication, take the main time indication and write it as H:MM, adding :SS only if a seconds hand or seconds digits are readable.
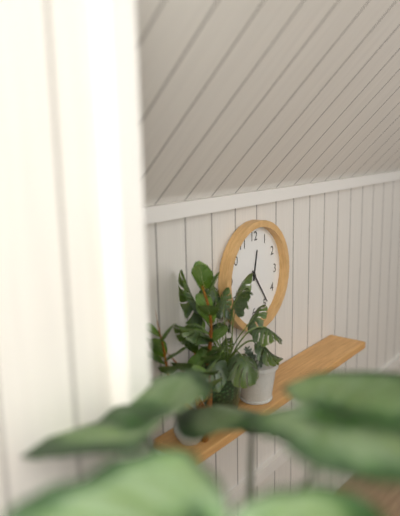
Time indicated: 12:24
